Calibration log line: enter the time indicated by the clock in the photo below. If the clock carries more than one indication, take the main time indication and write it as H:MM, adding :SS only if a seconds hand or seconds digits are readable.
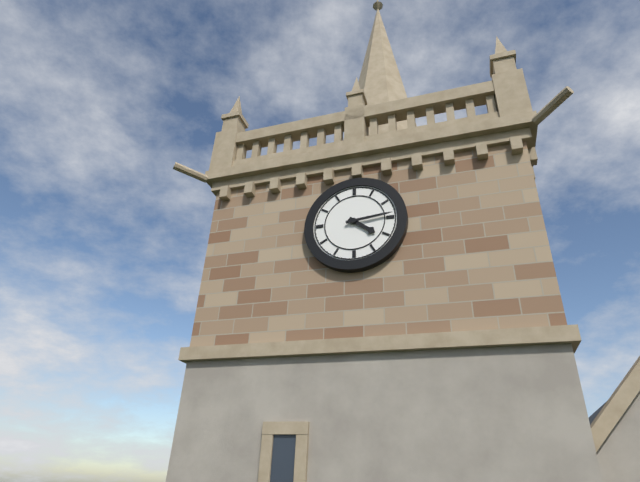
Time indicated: 4:14
